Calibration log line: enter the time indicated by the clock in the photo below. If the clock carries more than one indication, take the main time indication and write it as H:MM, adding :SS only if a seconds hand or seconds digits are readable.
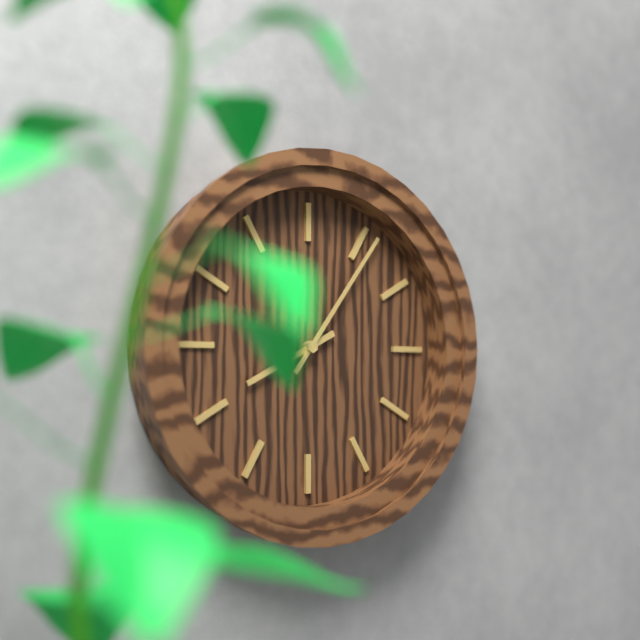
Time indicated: 8:06
